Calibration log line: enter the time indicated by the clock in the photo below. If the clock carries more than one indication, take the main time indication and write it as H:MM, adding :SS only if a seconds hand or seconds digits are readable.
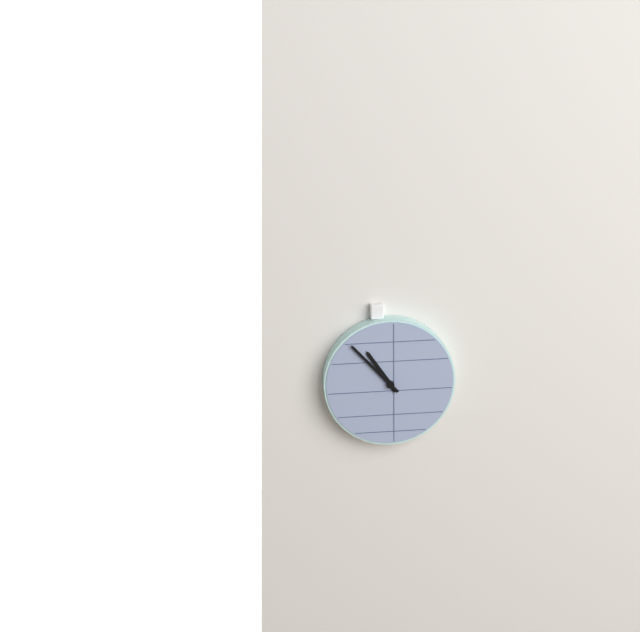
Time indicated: 10:53
